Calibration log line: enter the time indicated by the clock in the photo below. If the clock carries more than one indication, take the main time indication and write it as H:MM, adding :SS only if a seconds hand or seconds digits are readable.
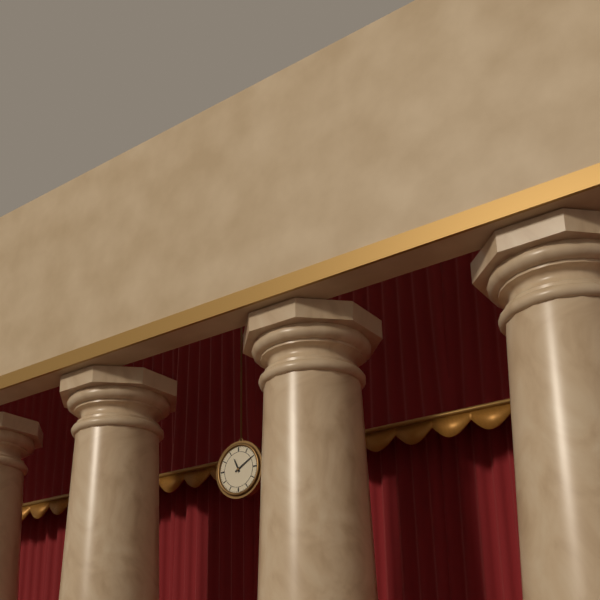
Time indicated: 11:10
